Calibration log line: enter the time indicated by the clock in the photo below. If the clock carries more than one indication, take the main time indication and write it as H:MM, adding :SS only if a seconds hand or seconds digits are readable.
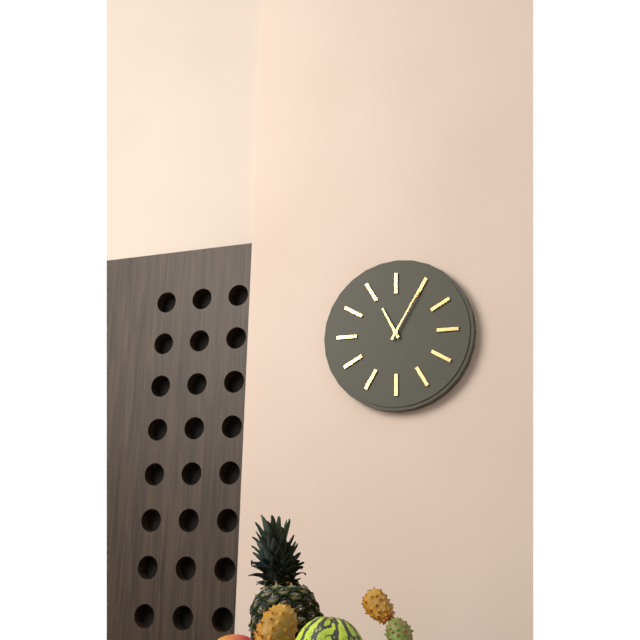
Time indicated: 11:05
